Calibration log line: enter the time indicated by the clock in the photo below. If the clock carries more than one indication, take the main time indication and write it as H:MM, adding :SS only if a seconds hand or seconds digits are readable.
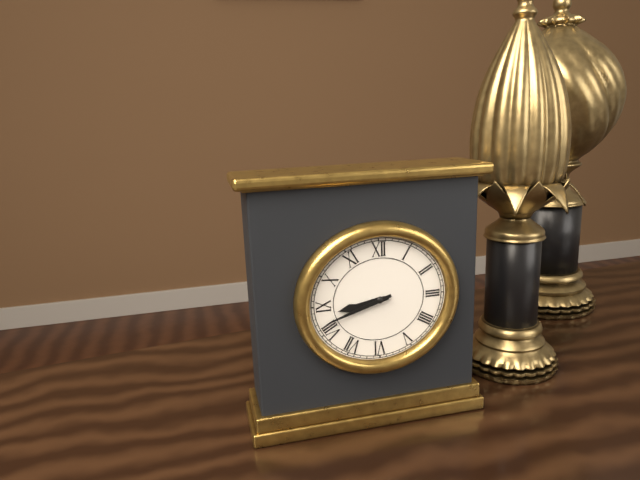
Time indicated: 8:42
